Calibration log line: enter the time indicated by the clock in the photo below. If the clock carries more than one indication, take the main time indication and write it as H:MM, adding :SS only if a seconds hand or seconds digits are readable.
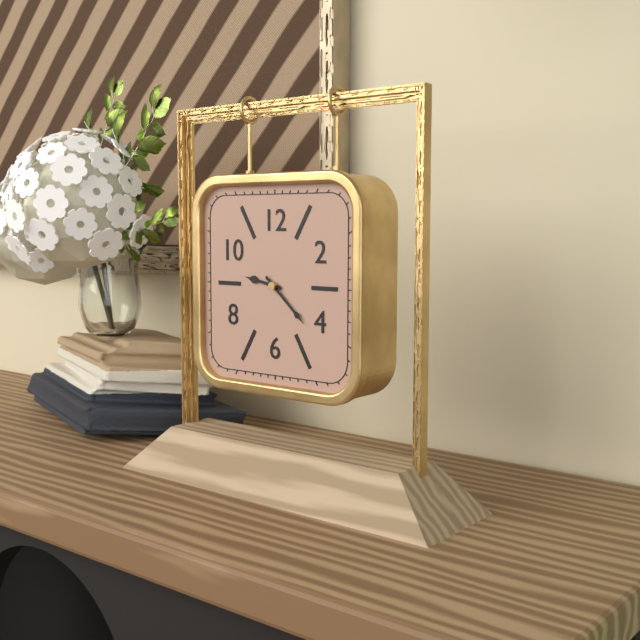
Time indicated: 9:22
